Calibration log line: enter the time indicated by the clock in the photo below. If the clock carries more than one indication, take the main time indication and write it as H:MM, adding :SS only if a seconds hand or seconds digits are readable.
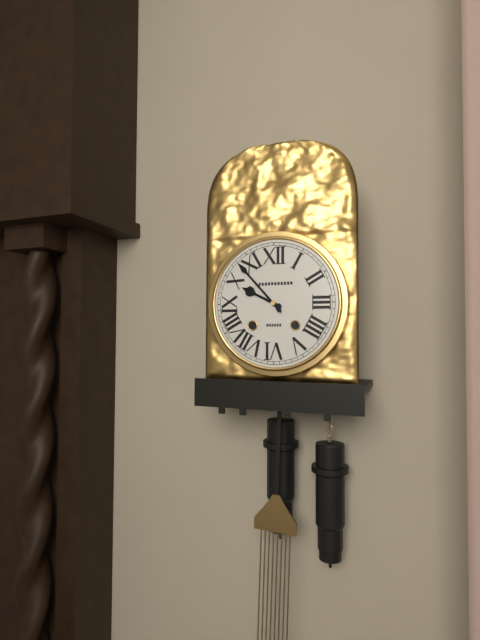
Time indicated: 9:53
